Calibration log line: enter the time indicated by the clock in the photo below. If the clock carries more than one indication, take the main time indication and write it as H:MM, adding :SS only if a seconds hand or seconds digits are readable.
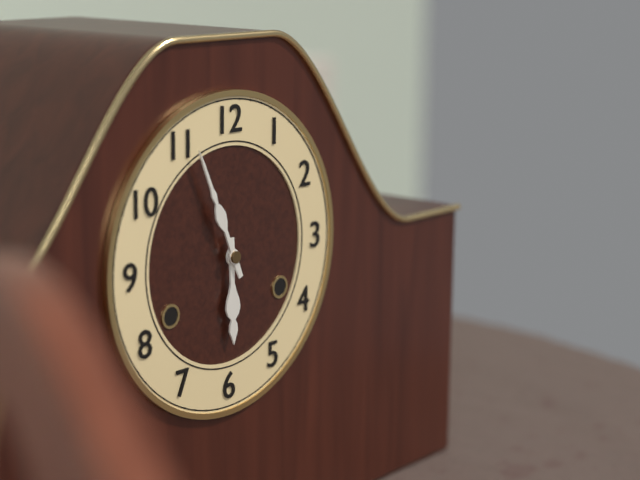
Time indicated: 5:56
